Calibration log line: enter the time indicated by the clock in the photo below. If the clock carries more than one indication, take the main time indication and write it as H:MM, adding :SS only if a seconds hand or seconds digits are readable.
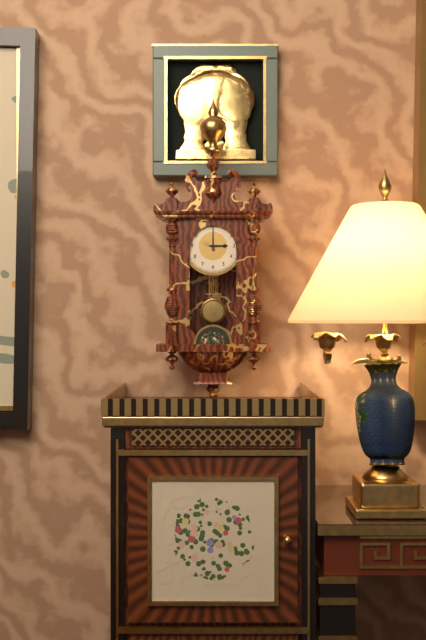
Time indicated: 3:00
